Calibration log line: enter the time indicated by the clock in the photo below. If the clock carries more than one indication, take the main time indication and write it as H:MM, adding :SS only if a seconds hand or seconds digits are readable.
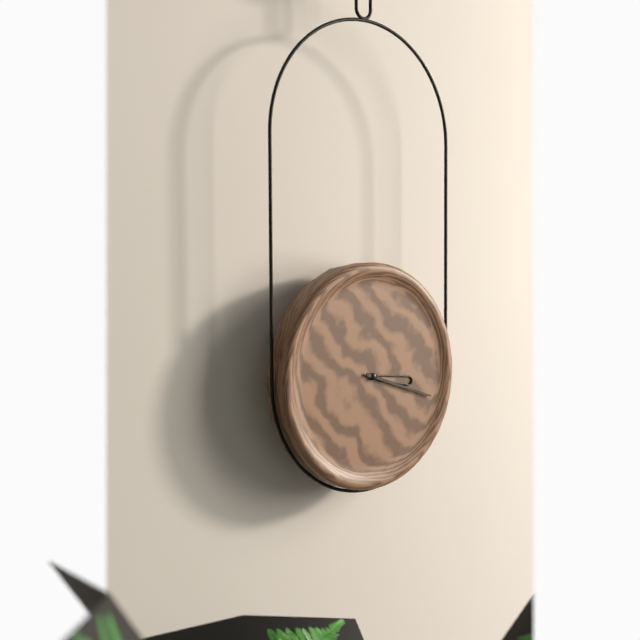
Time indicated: 3:18
